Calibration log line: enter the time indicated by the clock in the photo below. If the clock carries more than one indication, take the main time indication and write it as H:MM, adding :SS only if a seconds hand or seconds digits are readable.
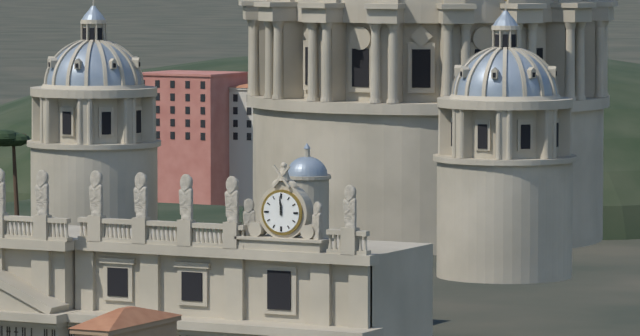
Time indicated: 11:59
